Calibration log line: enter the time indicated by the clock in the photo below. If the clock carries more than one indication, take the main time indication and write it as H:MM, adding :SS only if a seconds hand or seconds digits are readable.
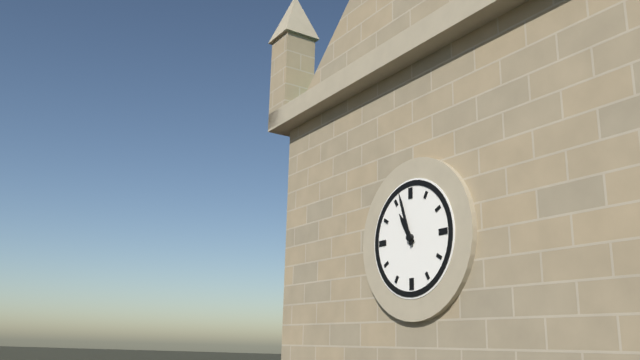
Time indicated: 10:57
